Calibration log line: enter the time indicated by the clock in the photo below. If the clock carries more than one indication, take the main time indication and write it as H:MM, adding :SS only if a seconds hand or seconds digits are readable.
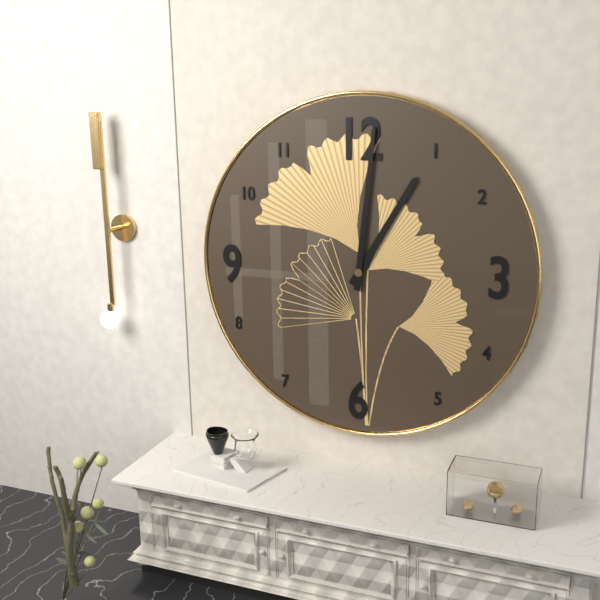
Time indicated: 1:01
